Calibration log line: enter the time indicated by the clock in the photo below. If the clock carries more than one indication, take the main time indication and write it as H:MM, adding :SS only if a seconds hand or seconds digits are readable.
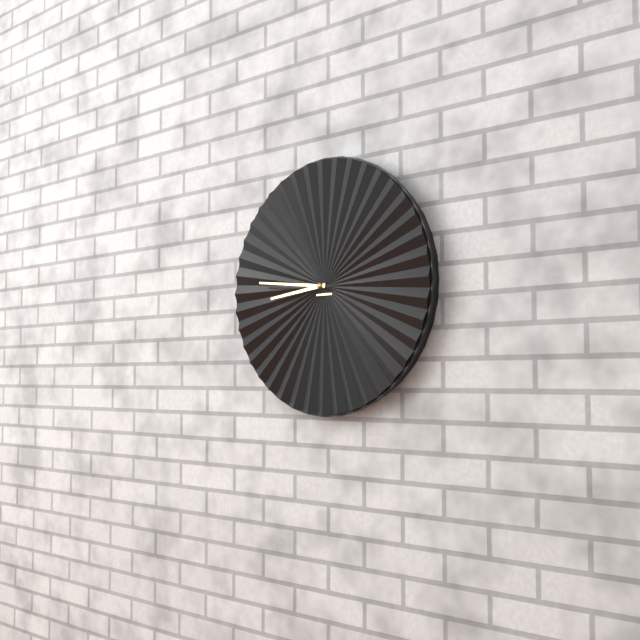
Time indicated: 8:46
